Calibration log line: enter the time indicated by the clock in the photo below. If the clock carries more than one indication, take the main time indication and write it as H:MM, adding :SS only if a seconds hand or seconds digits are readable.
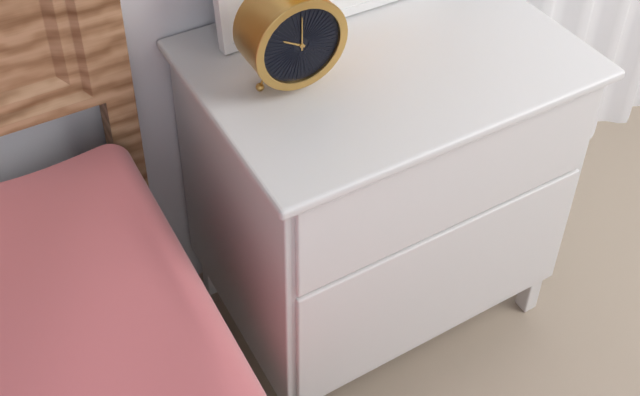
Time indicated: 10:00
